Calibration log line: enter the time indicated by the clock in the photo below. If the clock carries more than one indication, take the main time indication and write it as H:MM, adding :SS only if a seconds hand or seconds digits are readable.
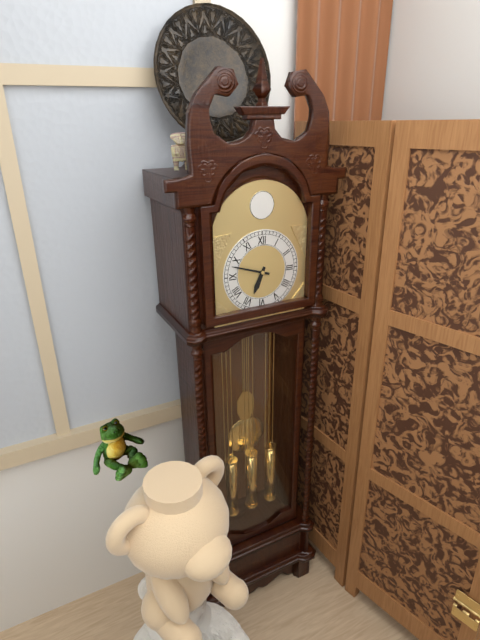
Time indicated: 6:48
